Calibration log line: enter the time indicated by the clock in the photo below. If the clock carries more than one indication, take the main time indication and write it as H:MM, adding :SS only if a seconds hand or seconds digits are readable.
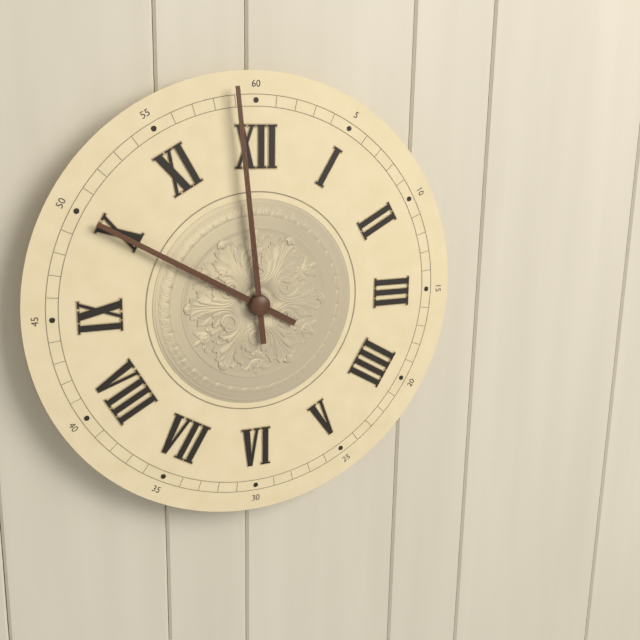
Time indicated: 9:59
